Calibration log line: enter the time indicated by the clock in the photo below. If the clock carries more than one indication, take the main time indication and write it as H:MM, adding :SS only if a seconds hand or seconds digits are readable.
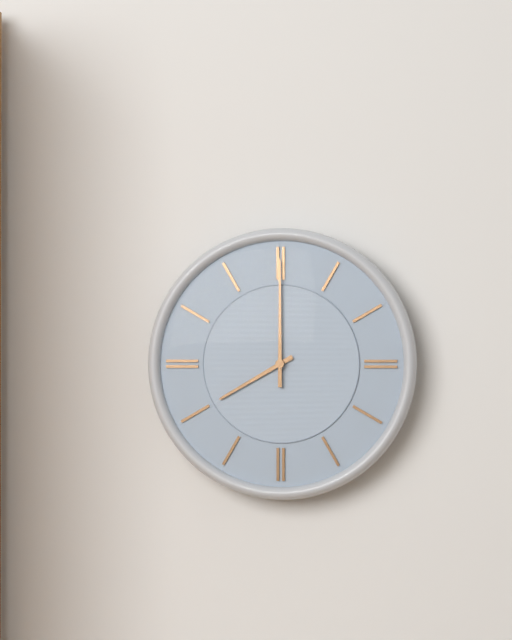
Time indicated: 8:00
